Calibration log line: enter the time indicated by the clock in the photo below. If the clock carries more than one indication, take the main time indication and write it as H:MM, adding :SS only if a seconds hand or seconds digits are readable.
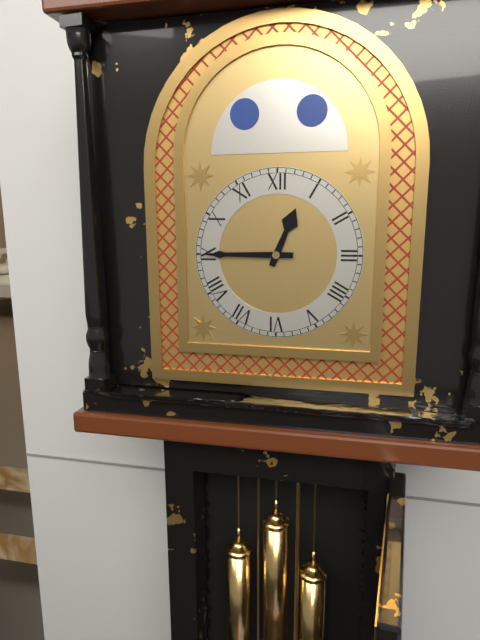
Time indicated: 12:45
